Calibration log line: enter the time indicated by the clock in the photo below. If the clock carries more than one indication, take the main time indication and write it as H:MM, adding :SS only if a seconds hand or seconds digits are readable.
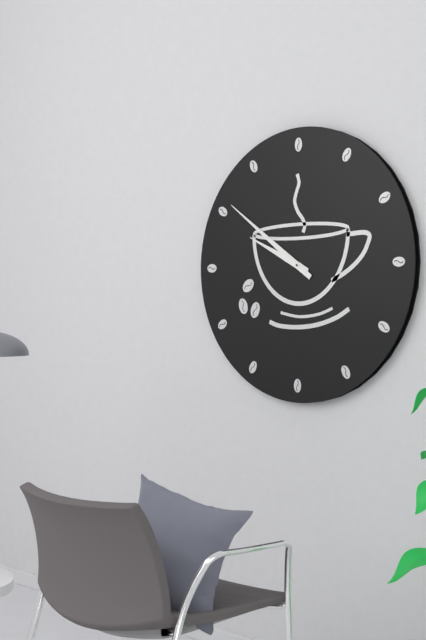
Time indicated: 9:51
